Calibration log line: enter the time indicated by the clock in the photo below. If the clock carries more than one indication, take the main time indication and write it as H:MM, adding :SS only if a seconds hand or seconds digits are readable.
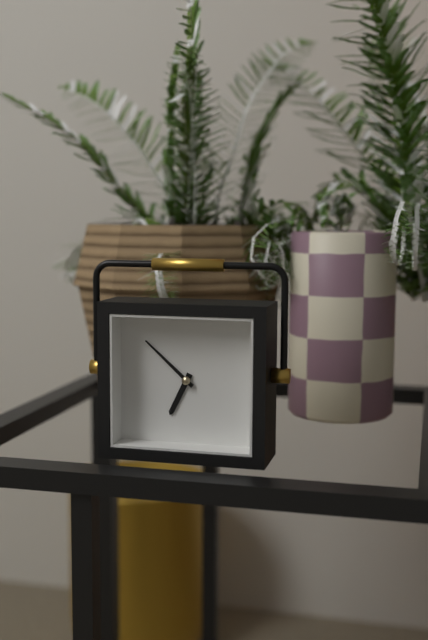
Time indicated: 6:52
